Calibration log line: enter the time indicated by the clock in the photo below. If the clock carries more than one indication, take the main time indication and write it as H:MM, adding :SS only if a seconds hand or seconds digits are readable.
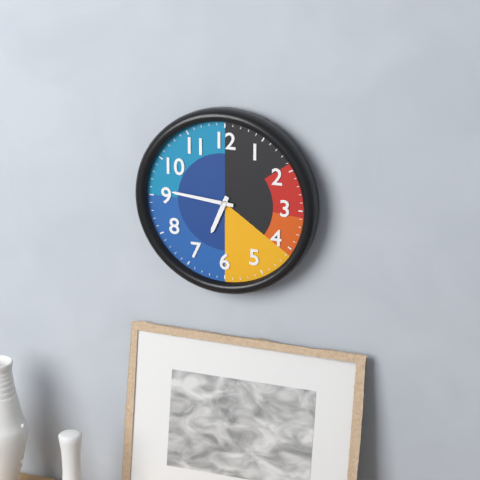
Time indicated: 6:46
